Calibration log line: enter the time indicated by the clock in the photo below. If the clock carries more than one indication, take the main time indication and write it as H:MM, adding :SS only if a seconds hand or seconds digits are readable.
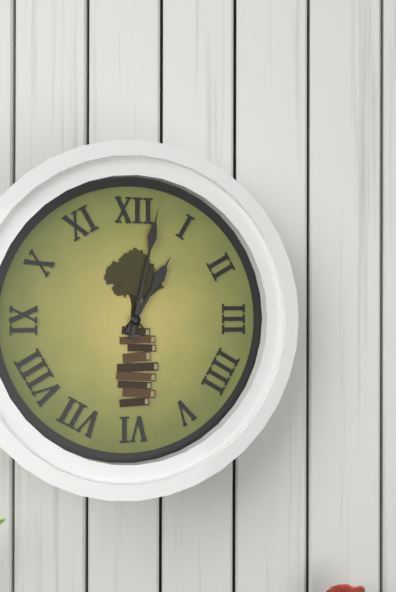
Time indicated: 1:02
